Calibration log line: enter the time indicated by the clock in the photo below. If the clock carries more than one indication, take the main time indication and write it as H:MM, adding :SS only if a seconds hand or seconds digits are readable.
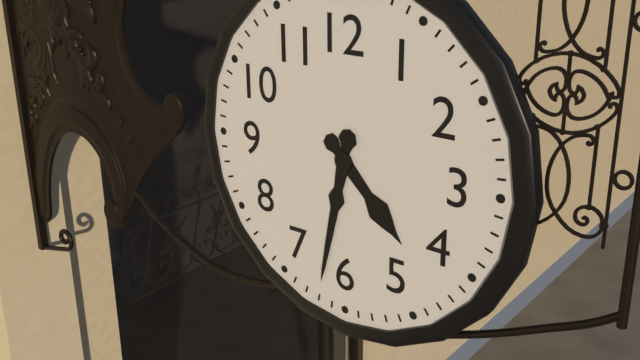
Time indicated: 4:32
